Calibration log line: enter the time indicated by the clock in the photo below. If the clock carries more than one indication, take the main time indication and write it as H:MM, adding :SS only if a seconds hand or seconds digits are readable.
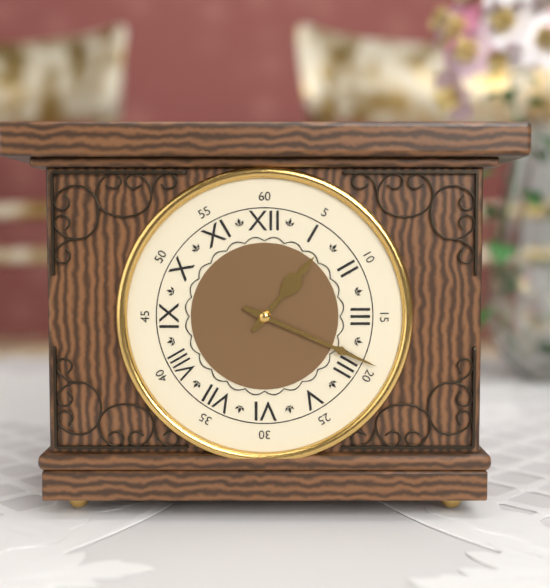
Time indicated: 1:19
